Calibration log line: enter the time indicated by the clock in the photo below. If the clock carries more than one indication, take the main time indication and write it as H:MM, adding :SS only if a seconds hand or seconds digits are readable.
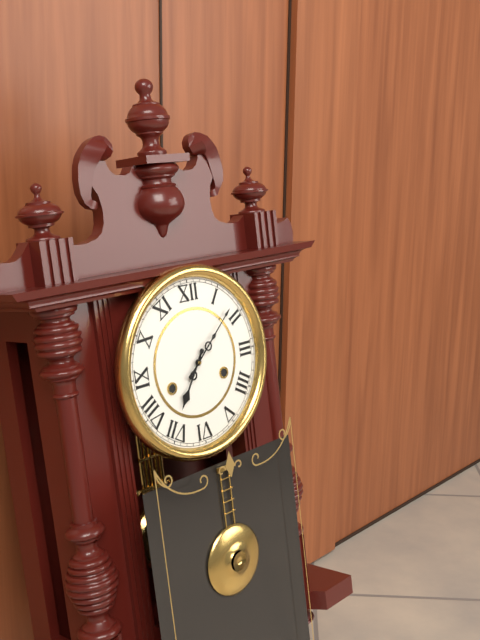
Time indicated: 7:08
